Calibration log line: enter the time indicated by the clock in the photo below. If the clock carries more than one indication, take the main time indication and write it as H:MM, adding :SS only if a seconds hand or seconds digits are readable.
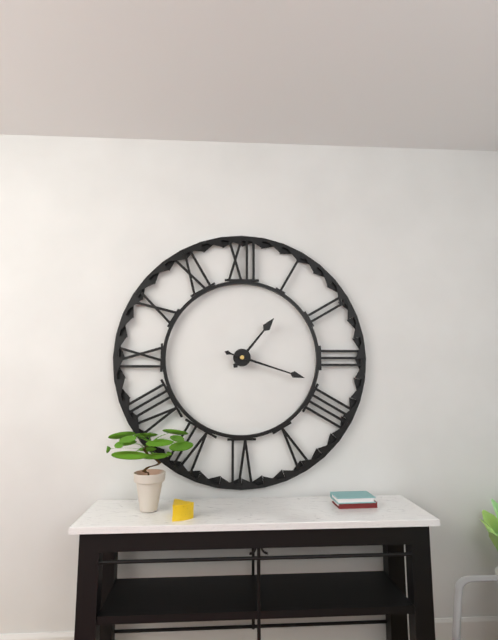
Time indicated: 1:18
